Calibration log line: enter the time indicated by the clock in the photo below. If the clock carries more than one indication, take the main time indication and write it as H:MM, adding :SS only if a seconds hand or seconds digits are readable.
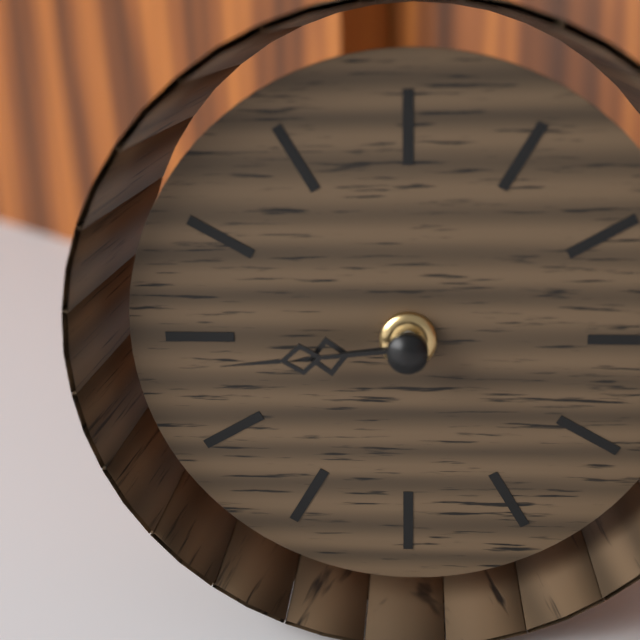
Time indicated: 8:44
